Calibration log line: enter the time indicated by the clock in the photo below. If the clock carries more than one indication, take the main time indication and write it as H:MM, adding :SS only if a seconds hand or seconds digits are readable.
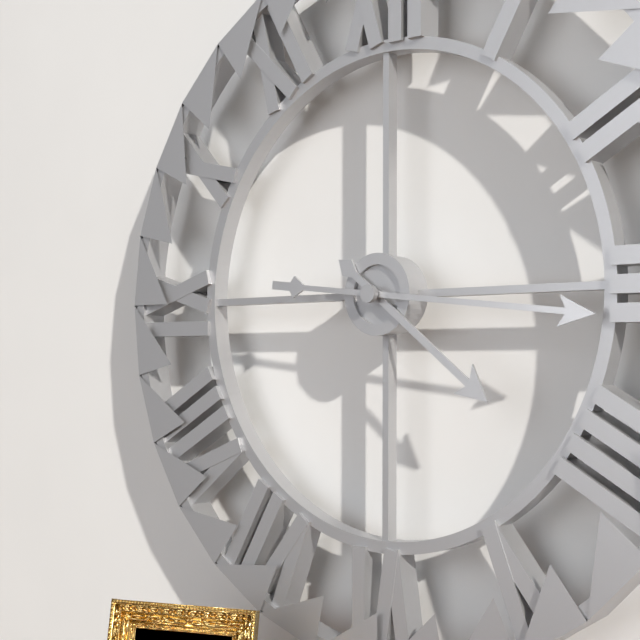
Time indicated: 4:16
